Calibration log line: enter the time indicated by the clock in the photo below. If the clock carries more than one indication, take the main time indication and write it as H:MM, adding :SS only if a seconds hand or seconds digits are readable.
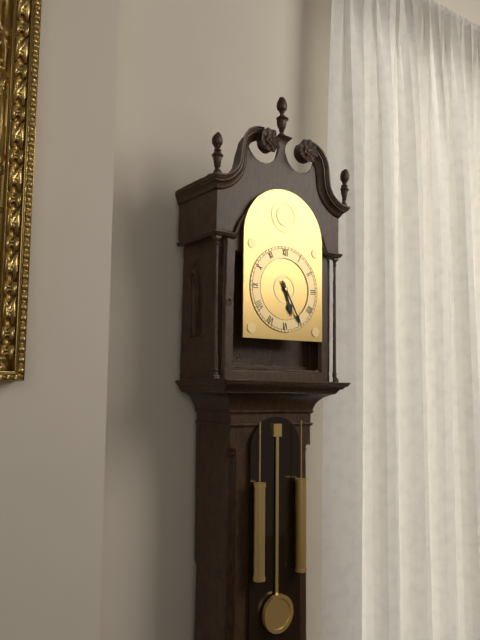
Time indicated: 5:25
